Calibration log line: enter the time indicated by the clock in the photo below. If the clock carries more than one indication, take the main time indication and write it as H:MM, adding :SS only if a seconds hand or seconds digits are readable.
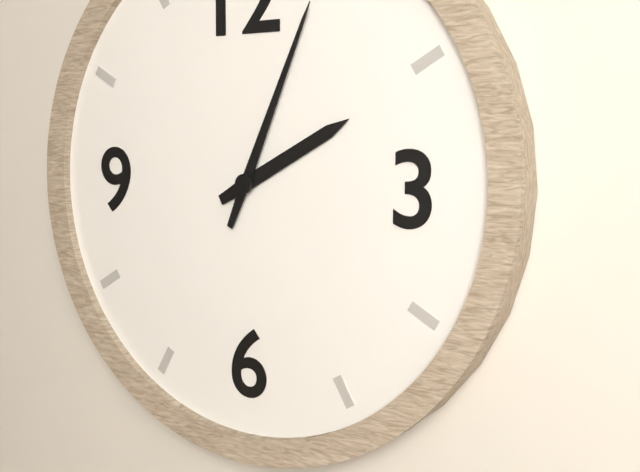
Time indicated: 2:04
